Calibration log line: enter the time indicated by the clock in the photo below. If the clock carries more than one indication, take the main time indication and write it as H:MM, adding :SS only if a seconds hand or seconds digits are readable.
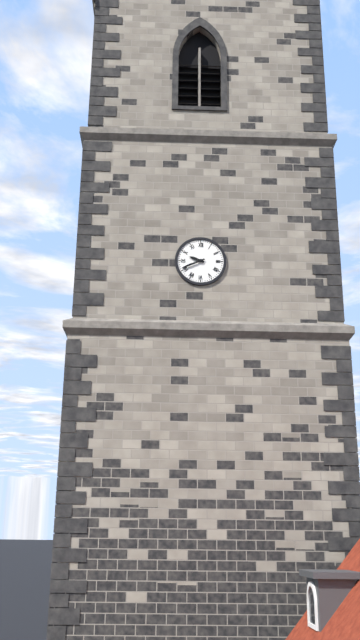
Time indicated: 9:41
